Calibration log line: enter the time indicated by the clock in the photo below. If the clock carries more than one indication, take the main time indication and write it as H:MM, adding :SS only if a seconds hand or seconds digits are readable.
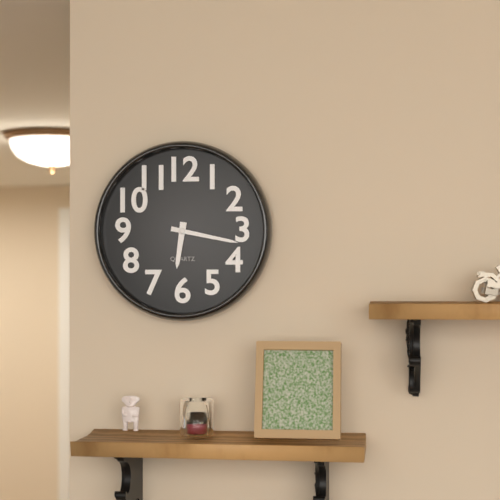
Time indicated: 6:17
